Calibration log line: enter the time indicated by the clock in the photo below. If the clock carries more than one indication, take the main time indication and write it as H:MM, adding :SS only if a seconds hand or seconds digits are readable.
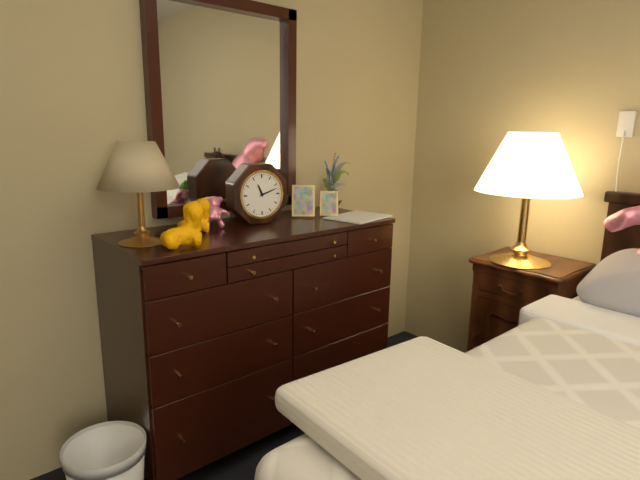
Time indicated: 11:12
